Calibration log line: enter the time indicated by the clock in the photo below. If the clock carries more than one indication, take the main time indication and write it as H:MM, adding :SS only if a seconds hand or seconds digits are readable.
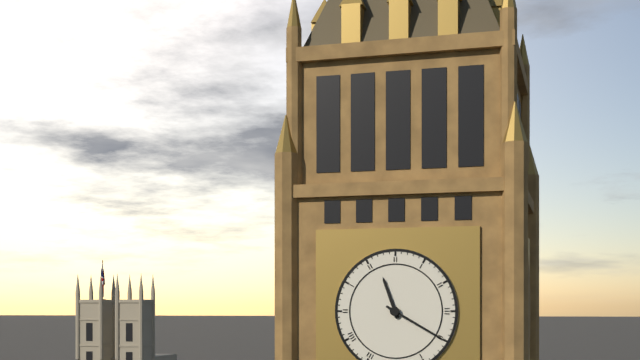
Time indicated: 11:20
